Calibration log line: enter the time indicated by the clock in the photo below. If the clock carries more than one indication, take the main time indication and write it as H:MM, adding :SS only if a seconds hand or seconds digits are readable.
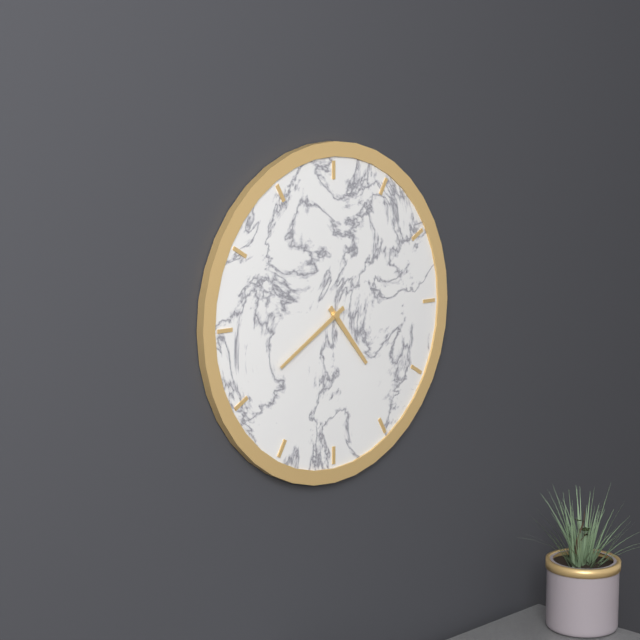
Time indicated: 4:40
